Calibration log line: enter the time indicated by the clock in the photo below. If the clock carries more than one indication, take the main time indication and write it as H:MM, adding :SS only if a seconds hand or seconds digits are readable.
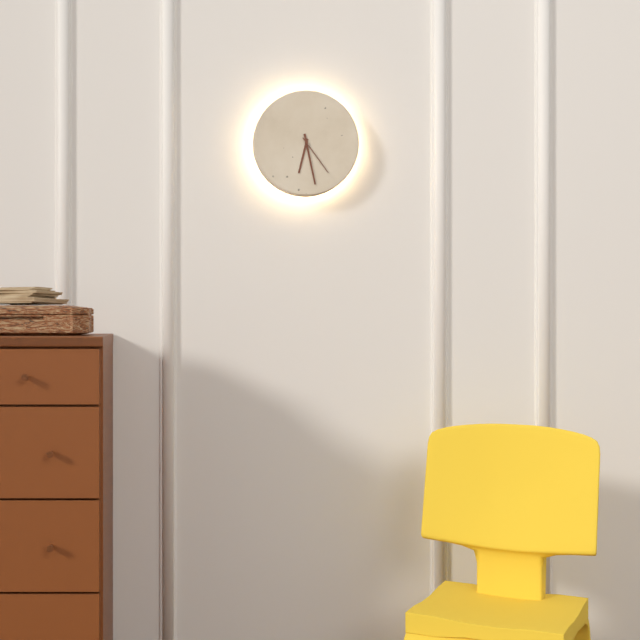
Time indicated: 6:28
